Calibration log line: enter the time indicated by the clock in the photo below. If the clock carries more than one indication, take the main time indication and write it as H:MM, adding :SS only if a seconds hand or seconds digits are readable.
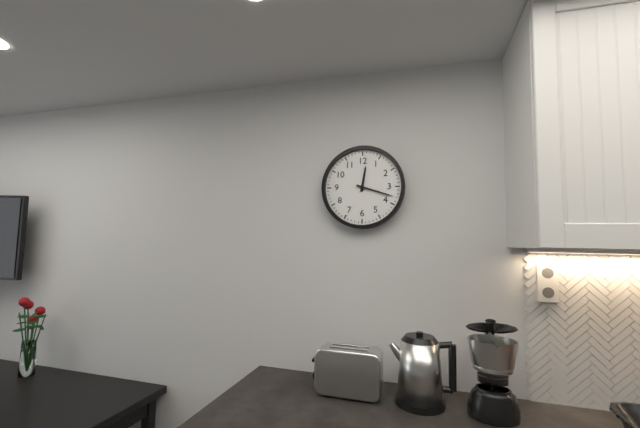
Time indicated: 12:18
